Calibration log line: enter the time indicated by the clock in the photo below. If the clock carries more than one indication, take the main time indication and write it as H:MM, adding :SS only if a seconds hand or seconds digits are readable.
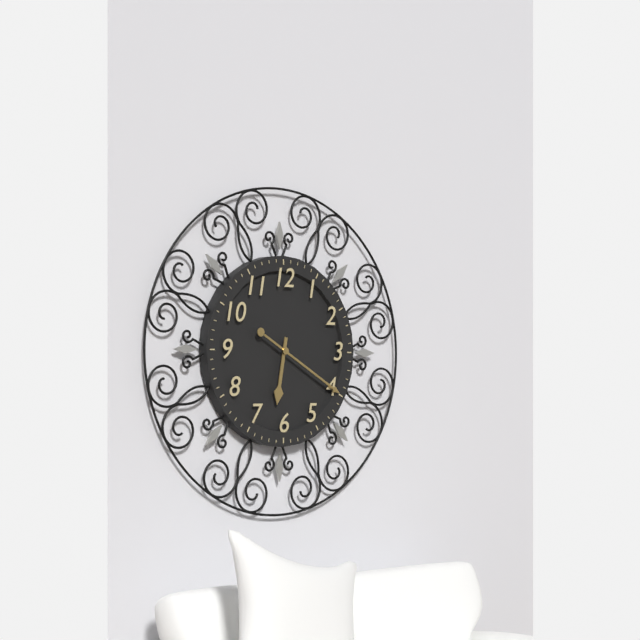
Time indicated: 6:20
